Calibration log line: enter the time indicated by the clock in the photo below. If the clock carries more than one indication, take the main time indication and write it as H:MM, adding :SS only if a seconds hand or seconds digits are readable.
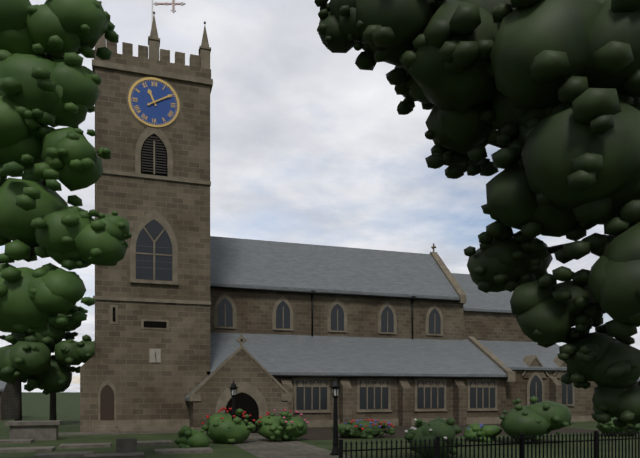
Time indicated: 11:10
